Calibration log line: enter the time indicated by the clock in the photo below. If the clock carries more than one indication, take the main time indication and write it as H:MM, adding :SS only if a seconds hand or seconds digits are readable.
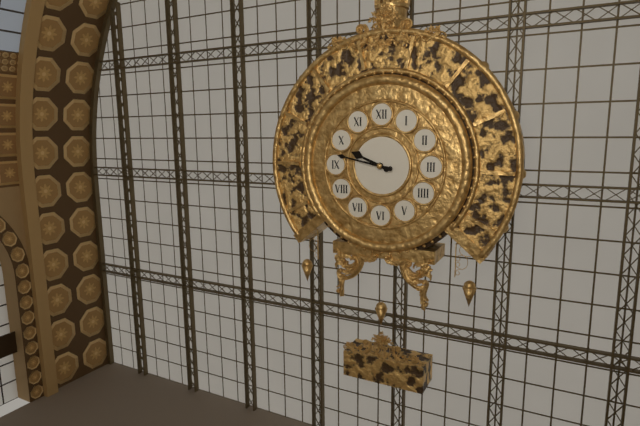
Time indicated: 9:47
